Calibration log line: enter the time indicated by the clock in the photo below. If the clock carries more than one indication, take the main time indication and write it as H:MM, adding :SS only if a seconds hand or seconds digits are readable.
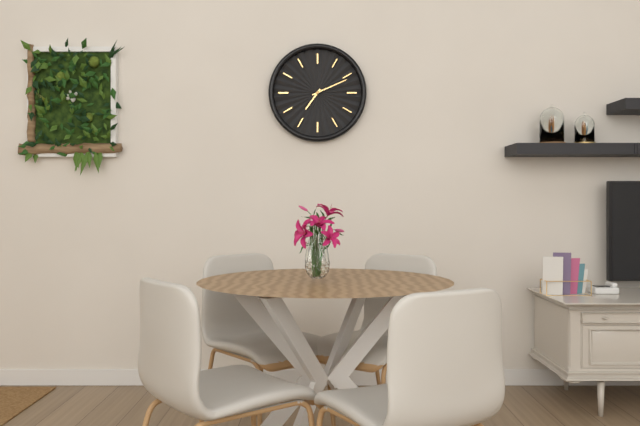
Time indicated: 7:11
